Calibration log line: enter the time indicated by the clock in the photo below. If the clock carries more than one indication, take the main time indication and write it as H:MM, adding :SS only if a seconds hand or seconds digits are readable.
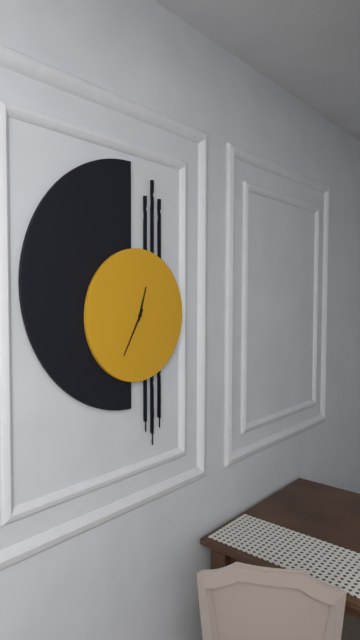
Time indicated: 12:35
